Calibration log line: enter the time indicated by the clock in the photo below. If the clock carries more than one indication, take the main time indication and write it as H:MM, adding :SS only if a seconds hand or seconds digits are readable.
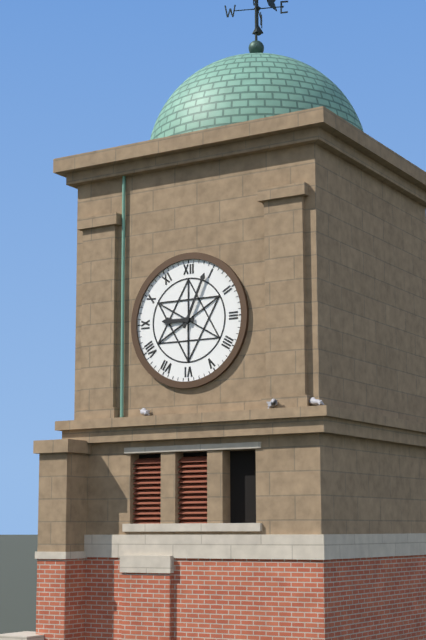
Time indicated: 9:04
